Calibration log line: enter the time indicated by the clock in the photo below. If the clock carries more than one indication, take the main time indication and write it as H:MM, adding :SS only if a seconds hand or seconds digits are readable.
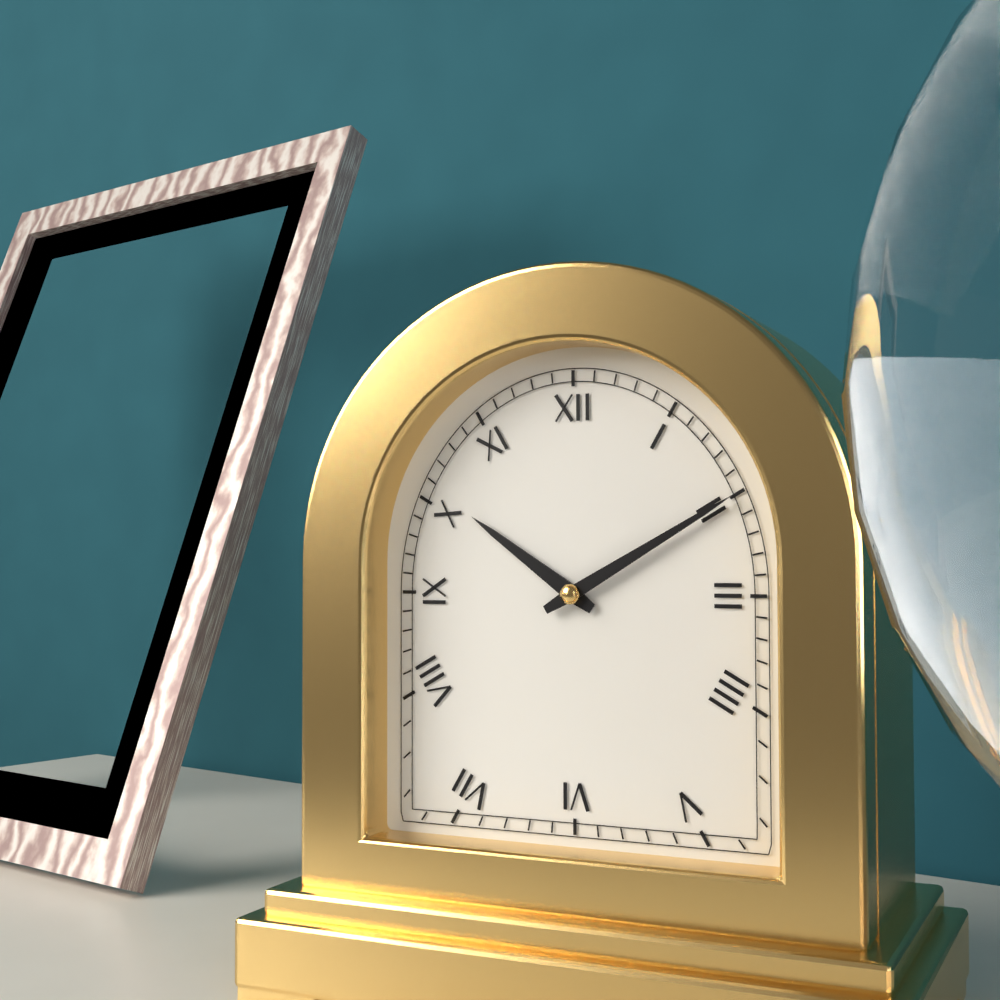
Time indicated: 10:10
